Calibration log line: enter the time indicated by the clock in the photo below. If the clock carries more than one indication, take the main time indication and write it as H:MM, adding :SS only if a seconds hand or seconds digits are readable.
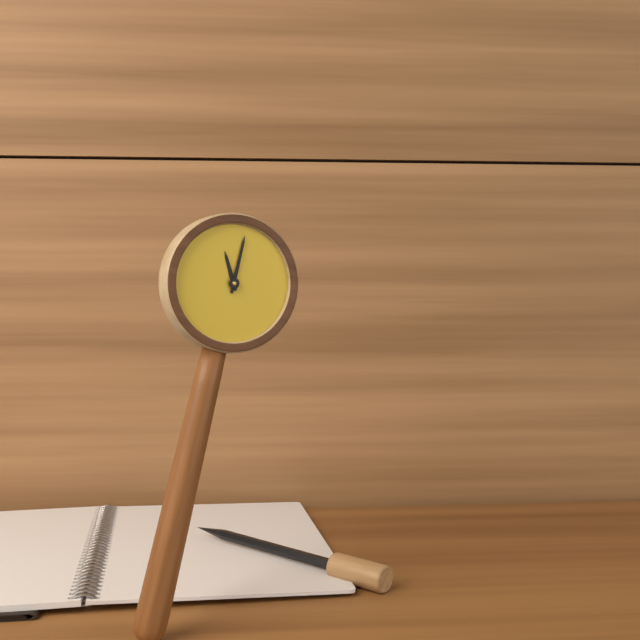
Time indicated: 11:00
